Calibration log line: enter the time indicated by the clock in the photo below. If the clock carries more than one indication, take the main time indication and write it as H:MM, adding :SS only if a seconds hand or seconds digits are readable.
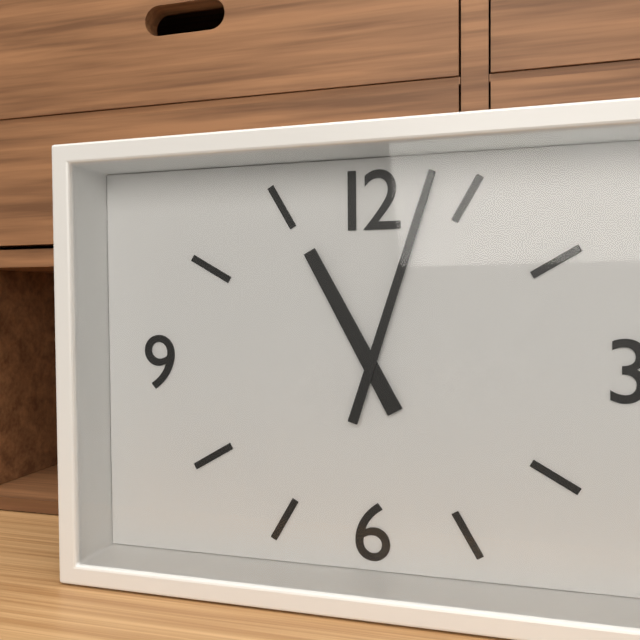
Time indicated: 11:03
